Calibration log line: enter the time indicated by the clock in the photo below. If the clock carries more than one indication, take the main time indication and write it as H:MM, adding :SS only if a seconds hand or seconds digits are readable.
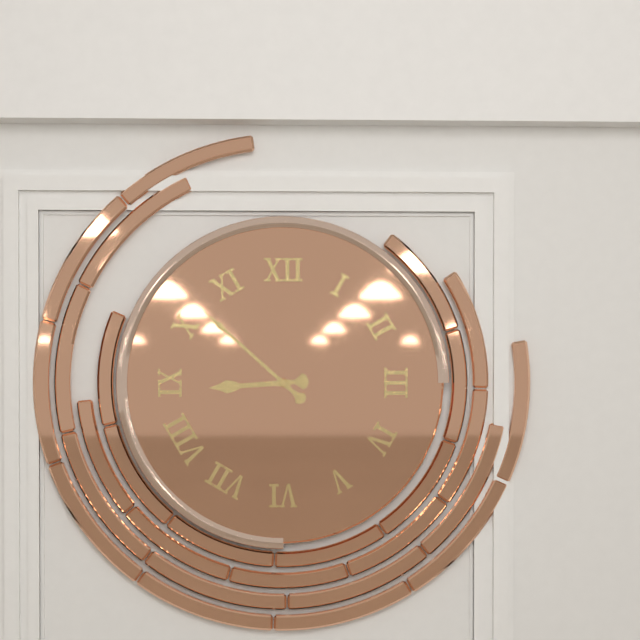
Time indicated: 8:52
